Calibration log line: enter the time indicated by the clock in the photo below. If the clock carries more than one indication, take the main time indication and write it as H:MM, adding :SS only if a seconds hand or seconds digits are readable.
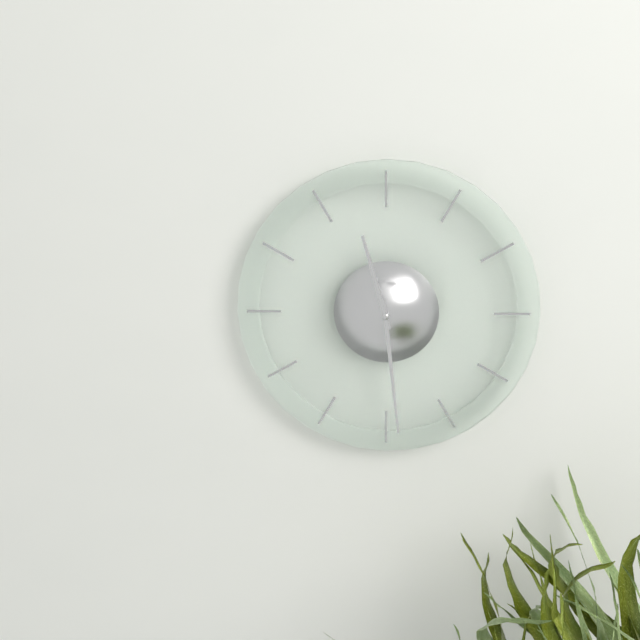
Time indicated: 11:29
